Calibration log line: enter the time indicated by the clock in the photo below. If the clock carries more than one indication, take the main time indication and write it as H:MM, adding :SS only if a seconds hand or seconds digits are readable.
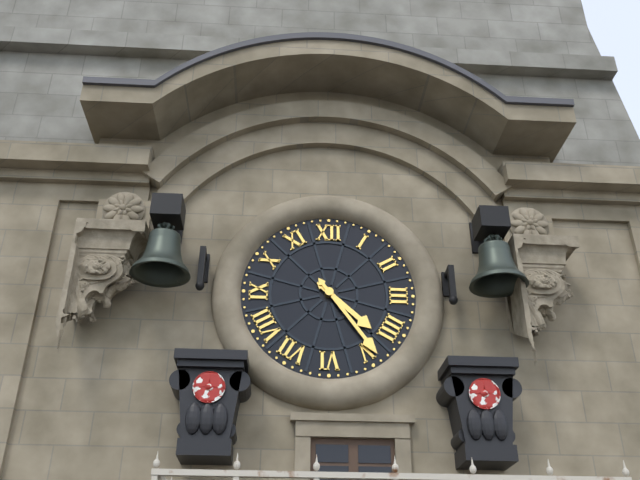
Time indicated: 4:24
